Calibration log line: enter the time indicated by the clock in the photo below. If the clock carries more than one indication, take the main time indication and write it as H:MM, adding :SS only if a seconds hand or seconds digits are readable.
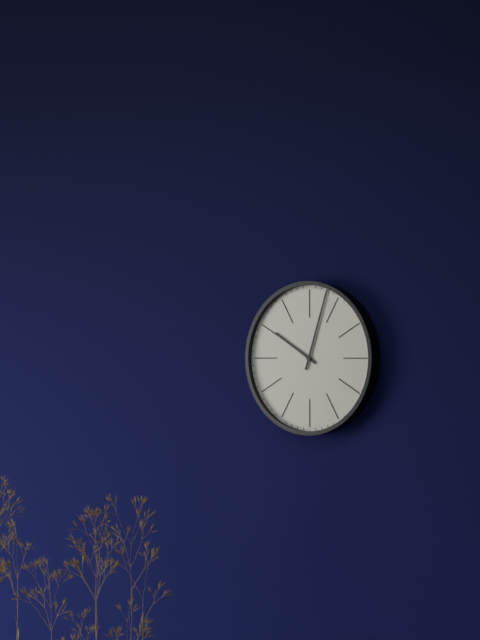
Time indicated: 10:03
